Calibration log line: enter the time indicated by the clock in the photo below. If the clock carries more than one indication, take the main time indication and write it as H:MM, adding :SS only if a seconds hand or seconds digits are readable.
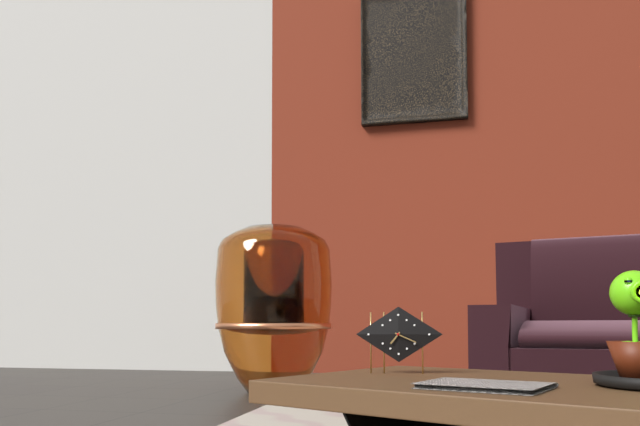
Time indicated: 7:19
